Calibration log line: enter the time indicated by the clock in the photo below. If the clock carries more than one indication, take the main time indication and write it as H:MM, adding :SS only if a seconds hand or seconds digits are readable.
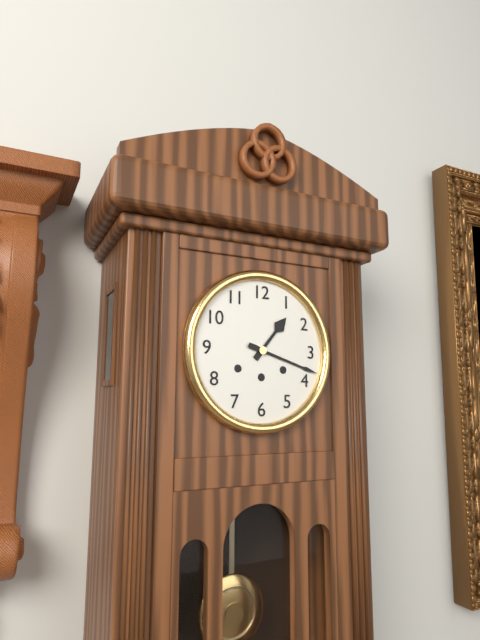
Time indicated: 1:18
